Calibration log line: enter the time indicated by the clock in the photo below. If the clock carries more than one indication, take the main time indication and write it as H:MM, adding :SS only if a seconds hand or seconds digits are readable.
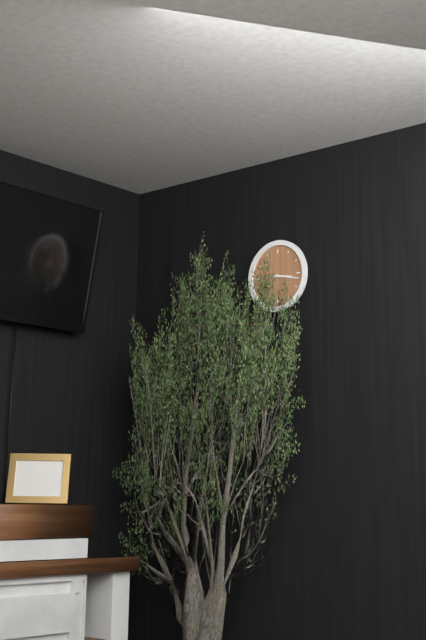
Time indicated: 3:17
